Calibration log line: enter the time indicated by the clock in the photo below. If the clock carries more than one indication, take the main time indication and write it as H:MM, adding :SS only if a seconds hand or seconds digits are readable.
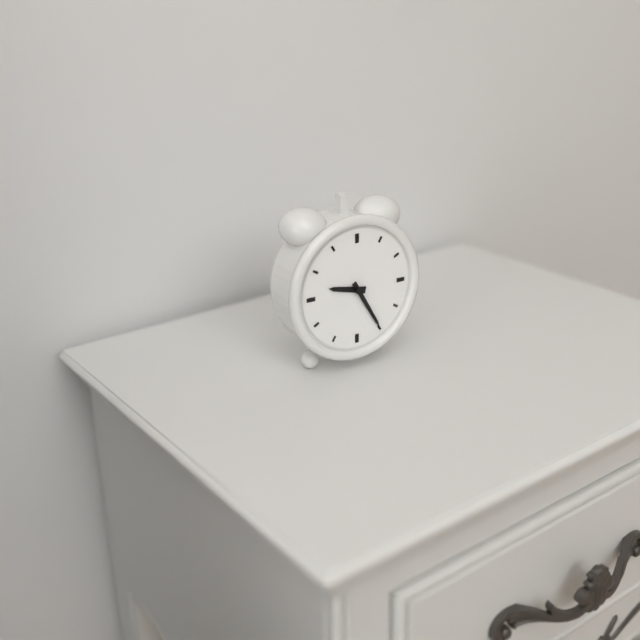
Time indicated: 9:25
